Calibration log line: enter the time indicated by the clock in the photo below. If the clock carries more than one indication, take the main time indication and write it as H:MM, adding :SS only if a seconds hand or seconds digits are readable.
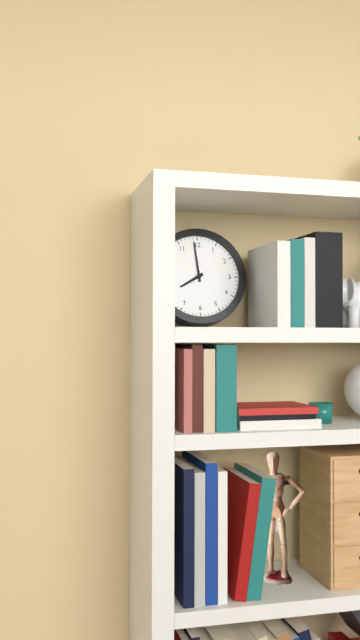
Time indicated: 7:59
